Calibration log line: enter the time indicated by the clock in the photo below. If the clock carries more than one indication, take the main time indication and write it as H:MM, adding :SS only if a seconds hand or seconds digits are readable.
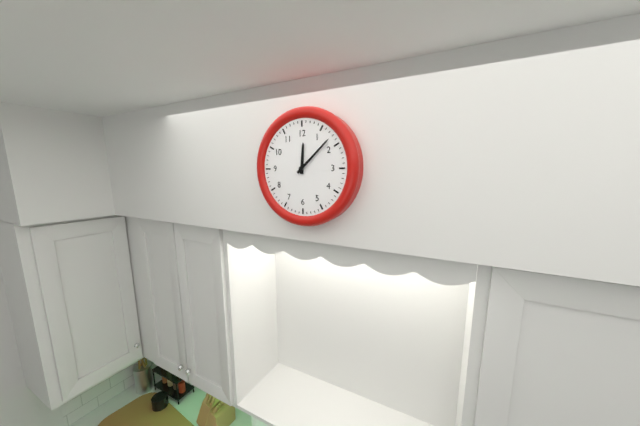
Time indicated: 12:08
